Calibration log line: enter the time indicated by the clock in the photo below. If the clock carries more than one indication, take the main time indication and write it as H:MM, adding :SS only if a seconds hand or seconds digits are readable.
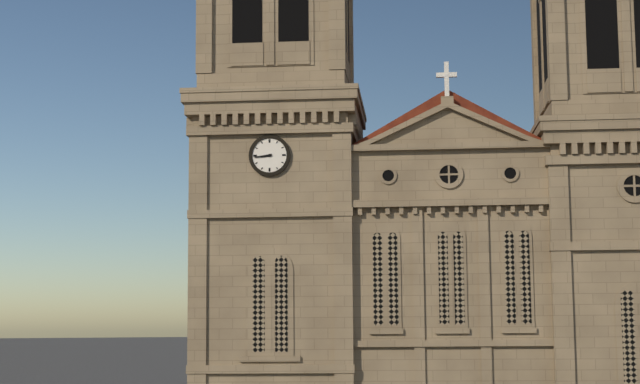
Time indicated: 8:44
